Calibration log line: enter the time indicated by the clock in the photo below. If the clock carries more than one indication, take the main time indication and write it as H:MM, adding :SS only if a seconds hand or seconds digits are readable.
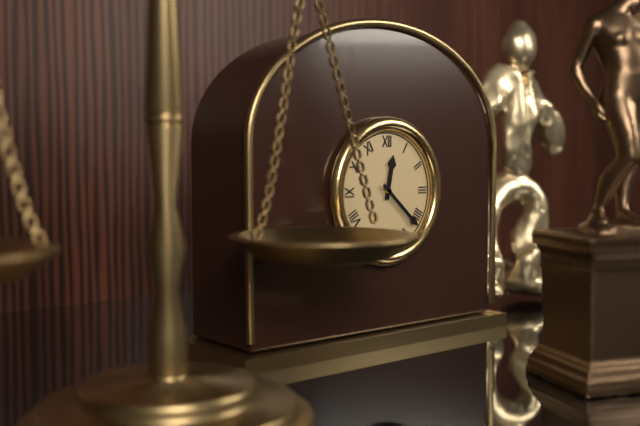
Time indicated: 12:22
